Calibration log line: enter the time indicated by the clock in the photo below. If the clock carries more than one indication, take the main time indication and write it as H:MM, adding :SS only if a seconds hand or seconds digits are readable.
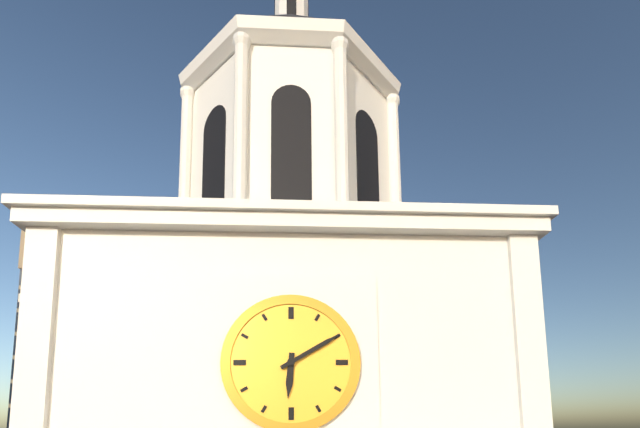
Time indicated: 6:10
